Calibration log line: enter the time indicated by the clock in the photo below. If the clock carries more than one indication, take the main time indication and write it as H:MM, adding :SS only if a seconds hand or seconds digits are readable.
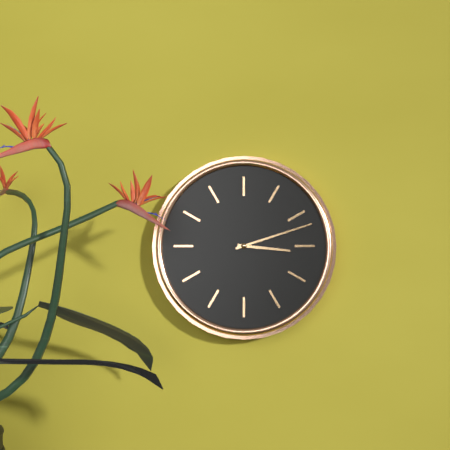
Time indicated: 3:12
